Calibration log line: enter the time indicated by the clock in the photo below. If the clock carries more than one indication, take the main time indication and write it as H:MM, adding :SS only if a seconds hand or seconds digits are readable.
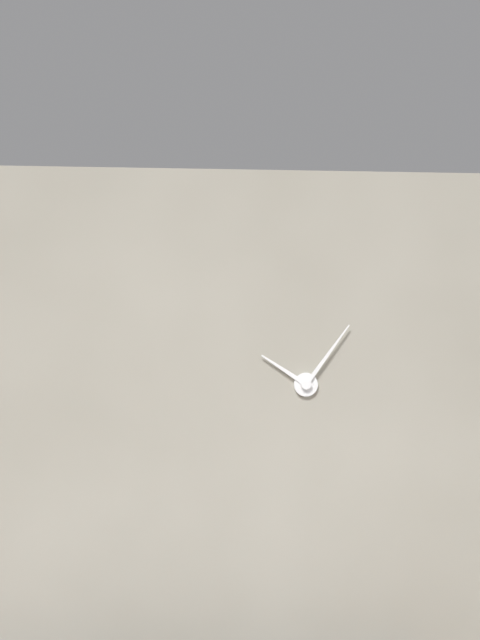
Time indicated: 10:06
